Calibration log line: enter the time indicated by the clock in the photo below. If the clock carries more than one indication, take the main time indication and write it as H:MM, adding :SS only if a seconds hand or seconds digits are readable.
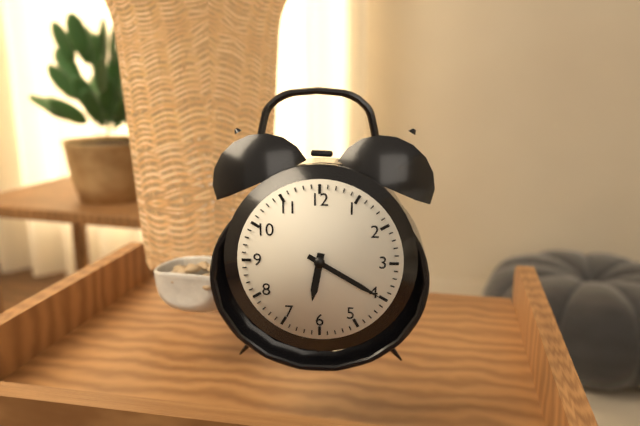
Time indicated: 6:20
